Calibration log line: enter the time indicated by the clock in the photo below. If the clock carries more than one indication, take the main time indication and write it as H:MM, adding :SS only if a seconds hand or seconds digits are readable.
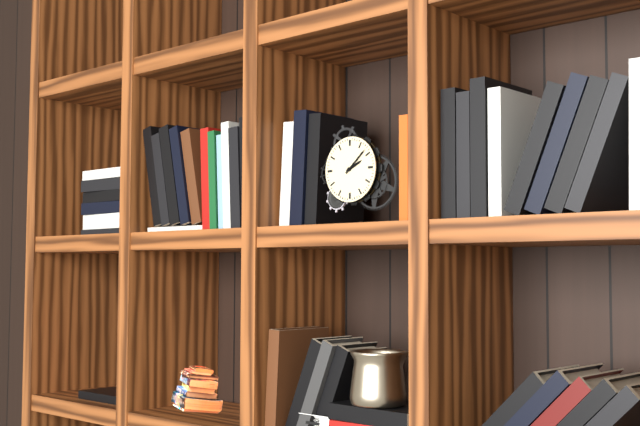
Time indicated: 2:08
